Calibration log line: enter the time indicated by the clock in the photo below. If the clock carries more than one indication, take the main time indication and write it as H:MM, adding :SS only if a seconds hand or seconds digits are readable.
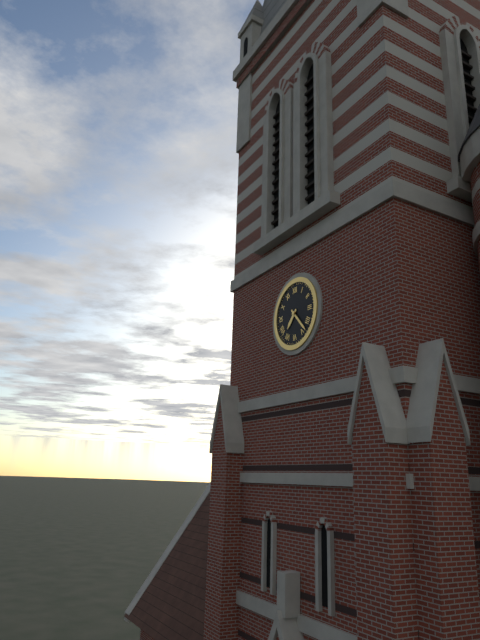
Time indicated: 7:23
